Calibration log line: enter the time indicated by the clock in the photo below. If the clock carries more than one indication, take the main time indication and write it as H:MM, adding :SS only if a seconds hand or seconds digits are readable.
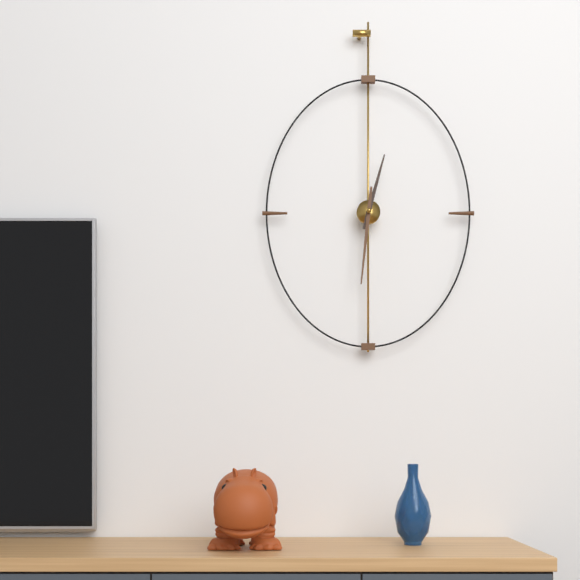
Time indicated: 12:31
